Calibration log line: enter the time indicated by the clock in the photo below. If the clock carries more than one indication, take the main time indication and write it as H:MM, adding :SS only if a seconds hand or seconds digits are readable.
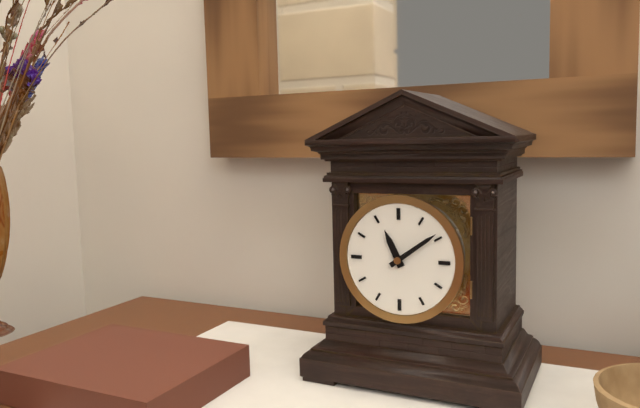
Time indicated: 11:09
